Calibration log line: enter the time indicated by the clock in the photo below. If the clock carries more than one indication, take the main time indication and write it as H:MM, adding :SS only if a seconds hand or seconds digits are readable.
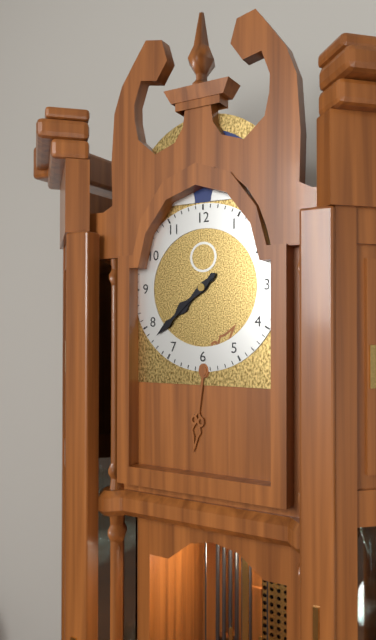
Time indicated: 7:38
